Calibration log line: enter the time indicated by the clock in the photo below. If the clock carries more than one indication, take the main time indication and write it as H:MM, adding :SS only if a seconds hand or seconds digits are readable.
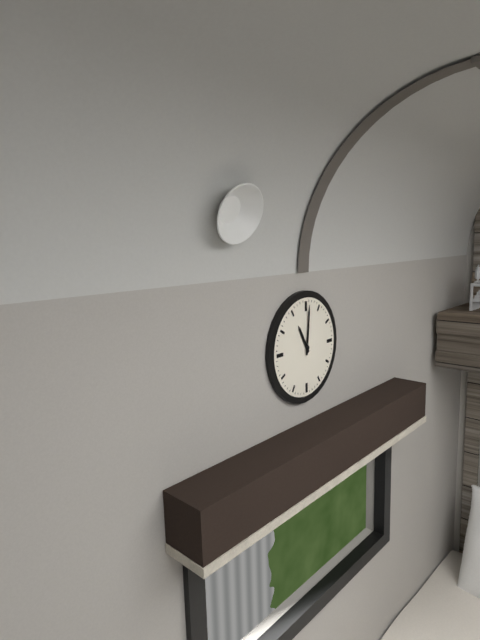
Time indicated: 11:01
